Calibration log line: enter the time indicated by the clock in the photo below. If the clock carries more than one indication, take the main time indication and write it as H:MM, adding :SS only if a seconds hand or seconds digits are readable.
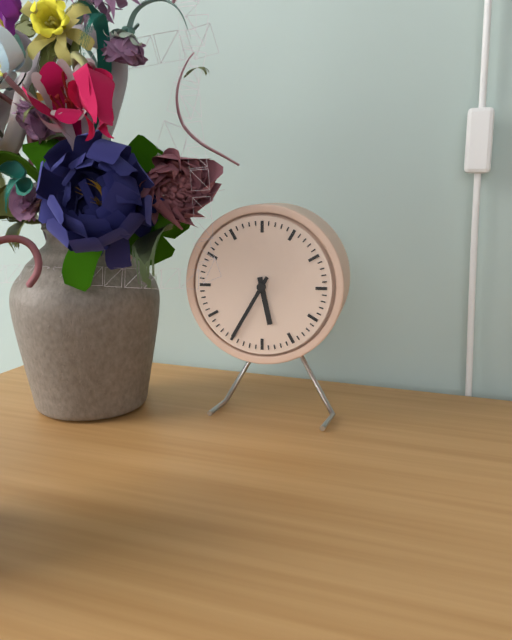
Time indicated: 5:35
